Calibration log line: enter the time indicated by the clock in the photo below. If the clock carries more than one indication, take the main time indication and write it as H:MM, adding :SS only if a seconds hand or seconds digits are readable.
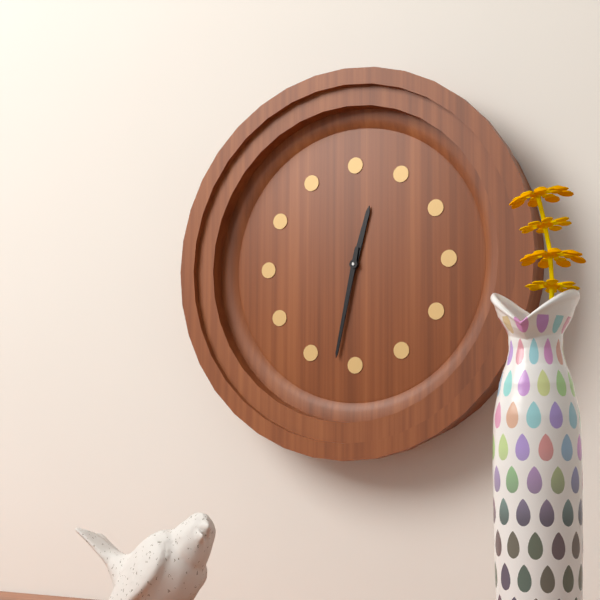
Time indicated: 12:32
